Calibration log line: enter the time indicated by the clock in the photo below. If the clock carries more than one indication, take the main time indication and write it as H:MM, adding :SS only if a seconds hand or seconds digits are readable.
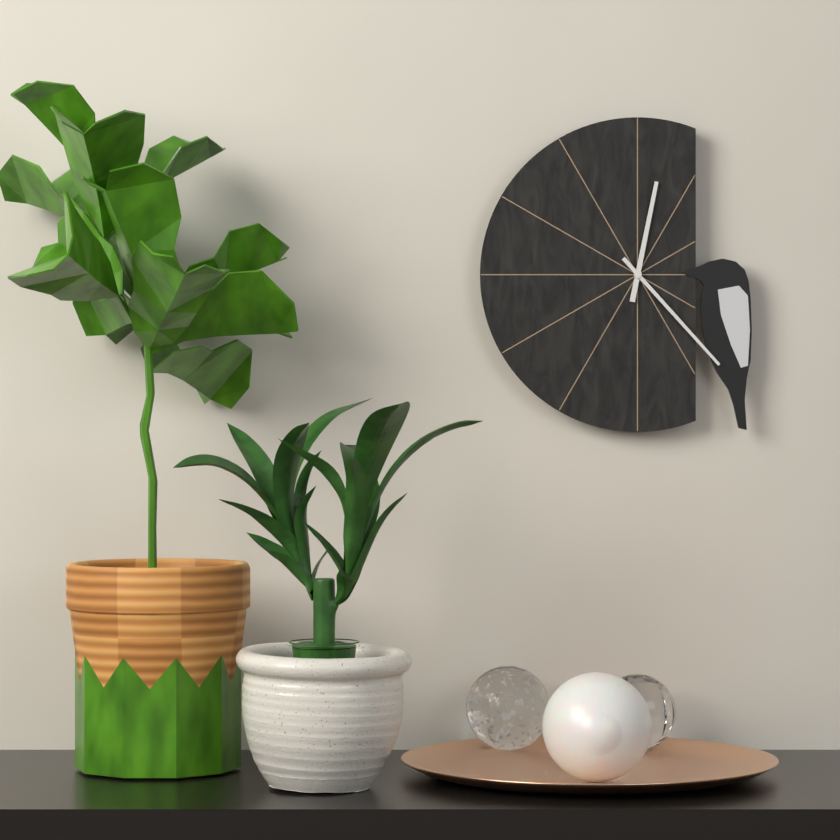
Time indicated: 12:23
